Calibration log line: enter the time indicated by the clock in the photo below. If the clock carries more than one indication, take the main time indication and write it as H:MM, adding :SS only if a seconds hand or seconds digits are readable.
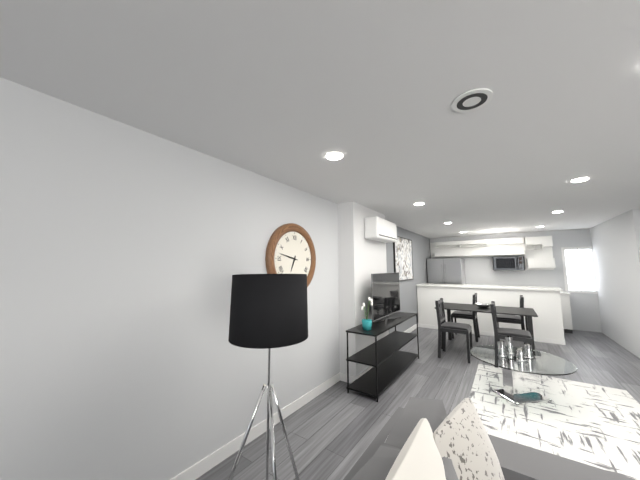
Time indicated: 6:47
